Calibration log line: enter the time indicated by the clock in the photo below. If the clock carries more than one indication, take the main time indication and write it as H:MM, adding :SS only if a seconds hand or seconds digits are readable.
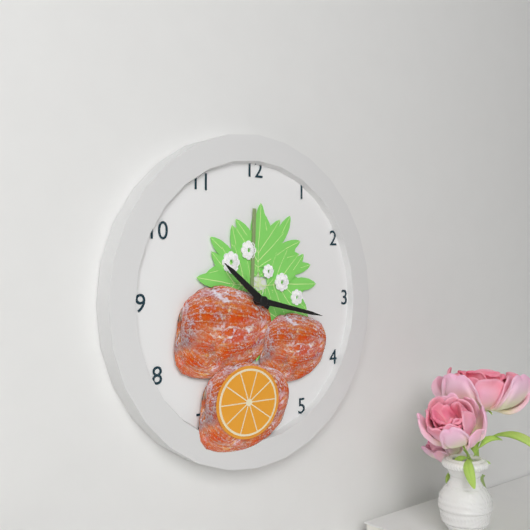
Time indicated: 10:17
